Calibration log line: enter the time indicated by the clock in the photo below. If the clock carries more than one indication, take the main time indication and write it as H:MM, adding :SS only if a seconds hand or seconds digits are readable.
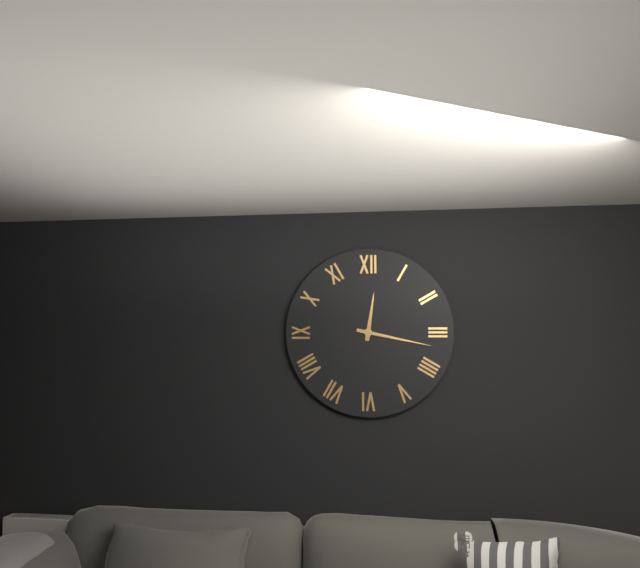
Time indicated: 12:17
